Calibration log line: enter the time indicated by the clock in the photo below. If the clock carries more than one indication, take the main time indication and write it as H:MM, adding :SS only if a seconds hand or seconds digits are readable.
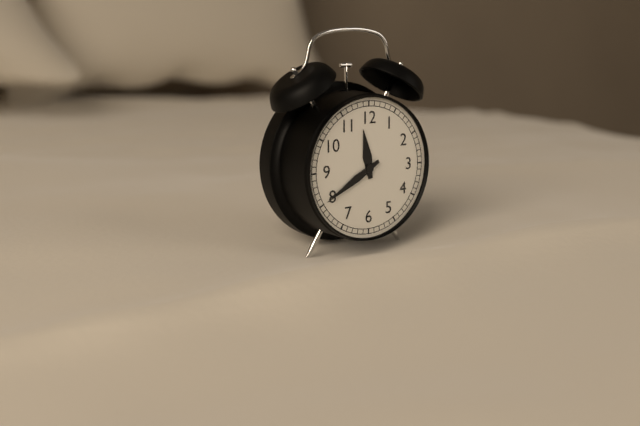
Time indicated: 11:40
